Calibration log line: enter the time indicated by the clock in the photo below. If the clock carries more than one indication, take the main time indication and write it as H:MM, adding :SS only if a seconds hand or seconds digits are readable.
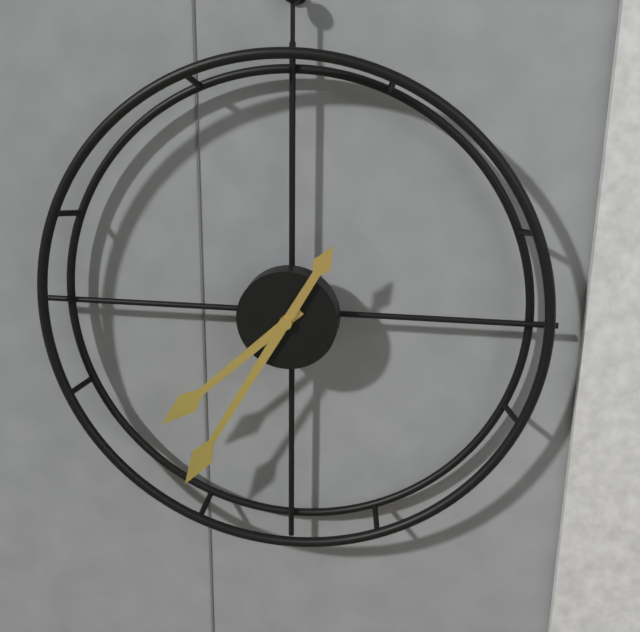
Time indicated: 7:35
